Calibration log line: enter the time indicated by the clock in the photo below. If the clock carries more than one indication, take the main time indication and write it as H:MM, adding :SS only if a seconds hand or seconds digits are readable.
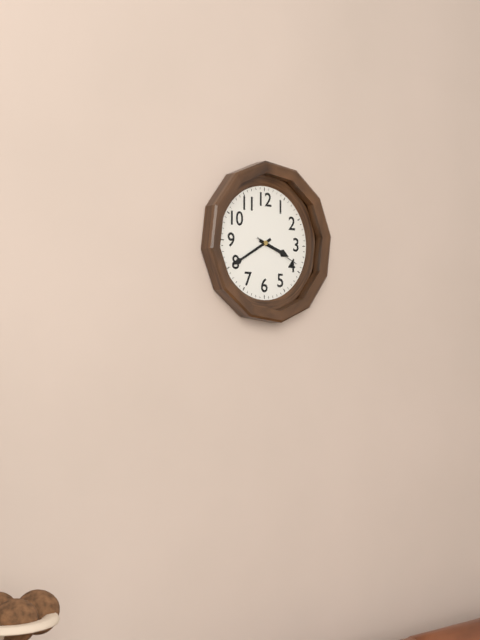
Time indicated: 3:40
